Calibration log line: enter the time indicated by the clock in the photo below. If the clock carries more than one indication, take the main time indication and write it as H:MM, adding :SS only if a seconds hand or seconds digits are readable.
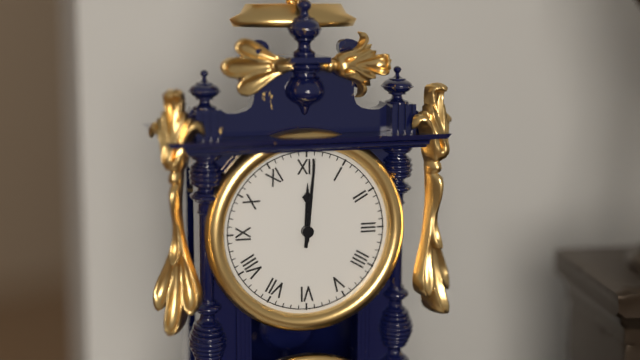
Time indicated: 12:01
